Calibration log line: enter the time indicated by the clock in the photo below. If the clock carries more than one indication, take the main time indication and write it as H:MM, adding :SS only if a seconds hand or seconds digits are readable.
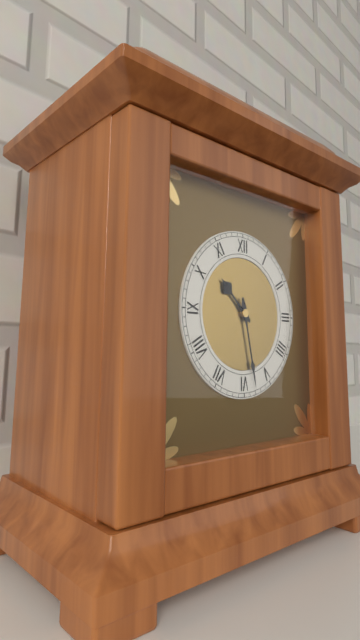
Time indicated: 10:28
